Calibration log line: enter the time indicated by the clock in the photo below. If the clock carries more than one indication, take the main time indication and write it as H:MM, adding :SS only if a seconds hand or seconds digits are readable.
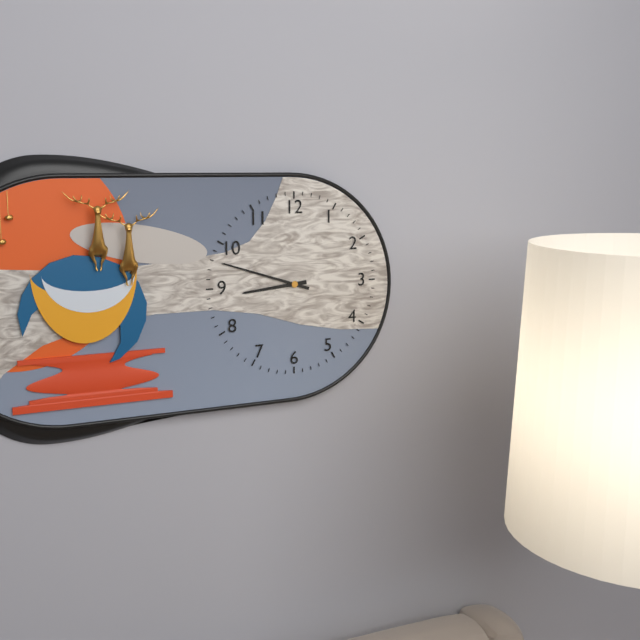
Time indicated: 8:48
